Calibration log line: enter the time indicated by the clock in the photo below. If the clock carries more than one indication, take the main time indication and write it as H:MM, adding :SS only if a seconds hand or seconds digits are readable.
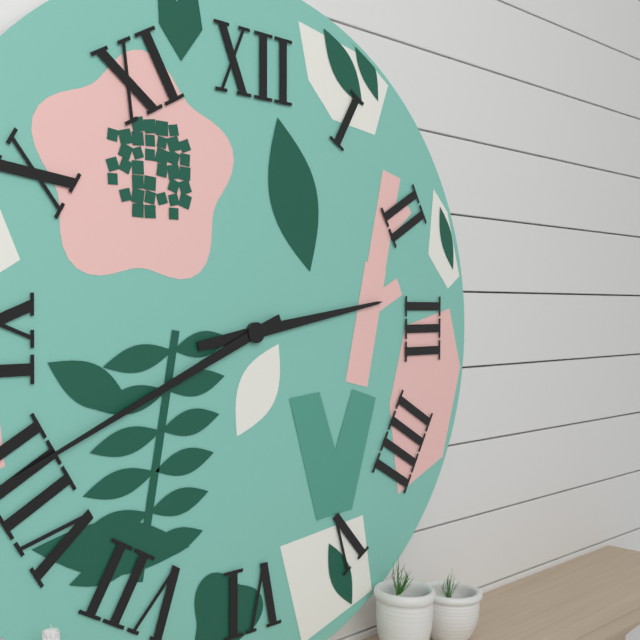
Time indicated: 2:41
